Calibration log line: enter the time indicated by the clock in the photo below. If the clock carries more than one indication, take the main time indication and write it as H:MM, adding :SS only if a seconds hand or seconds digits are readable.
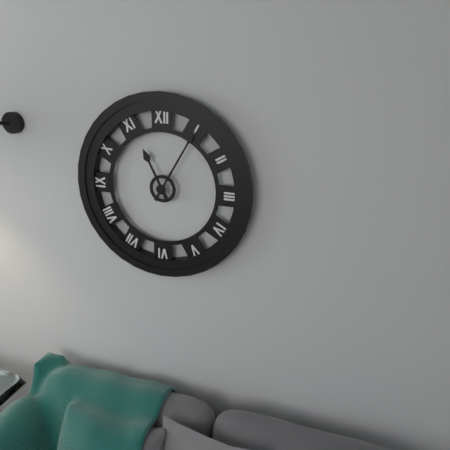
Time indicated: 11:05
